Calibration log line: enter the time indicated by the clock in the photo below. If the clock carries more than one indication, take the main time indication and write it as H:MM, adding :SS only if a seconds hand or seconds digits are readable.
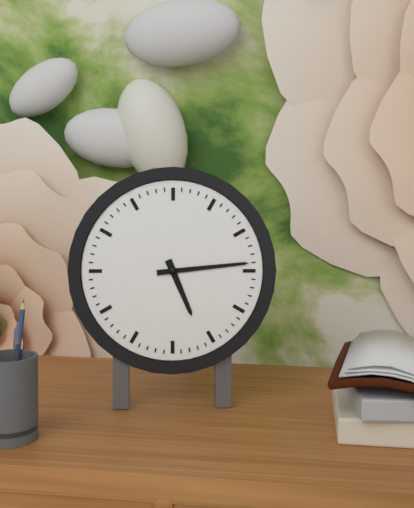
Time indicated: 5:14
